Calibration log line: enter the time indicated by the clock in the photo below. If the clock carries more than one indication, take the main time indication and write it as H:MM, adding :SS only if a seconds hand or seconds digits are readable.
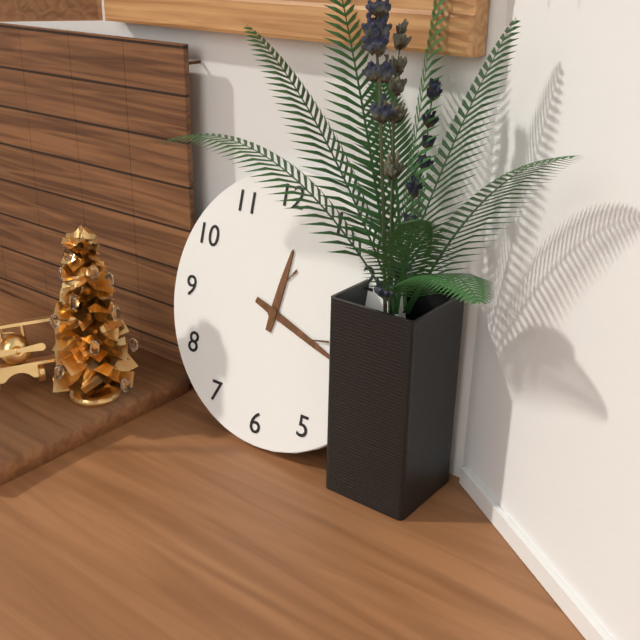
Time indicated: 12:18
